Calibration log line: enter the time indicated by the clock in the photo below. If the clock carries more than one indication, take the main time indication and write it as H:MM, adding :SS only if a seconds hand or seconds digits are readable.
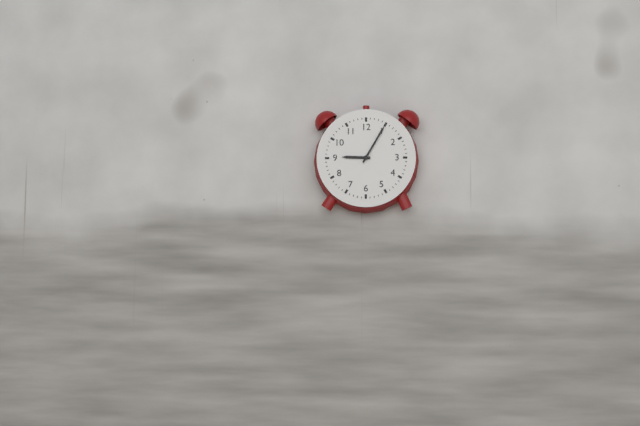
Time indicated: 9:05
